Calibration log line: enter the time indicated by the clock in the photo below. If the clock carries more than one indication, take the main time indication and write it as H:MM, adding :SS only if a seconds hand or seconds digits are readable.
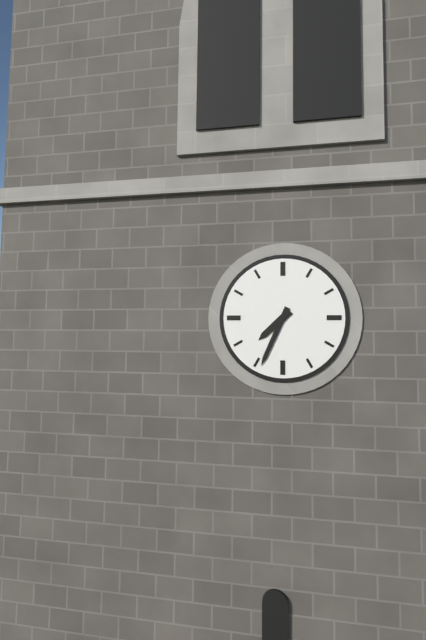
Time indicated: 7:34
